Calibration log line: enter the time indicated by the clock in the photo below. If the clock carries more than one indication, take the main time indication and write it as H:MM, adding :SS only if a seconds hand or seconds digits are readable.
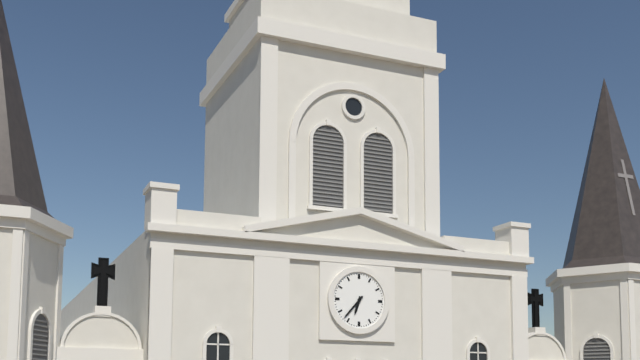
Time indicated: 6:37
